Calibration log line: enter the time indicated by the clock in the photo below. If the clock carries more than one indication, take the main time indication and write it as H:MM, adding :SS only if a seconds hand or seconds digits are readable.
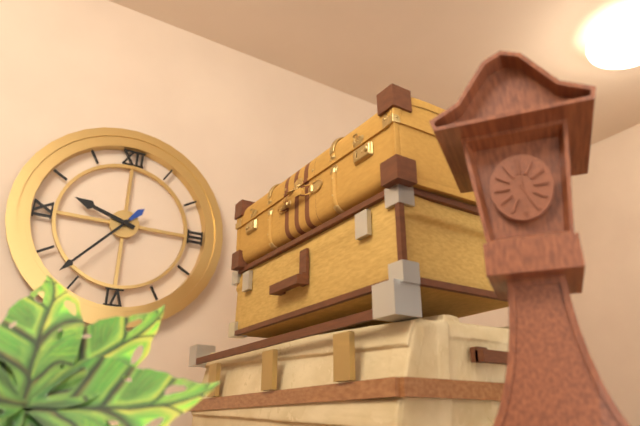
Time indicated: 9:37
